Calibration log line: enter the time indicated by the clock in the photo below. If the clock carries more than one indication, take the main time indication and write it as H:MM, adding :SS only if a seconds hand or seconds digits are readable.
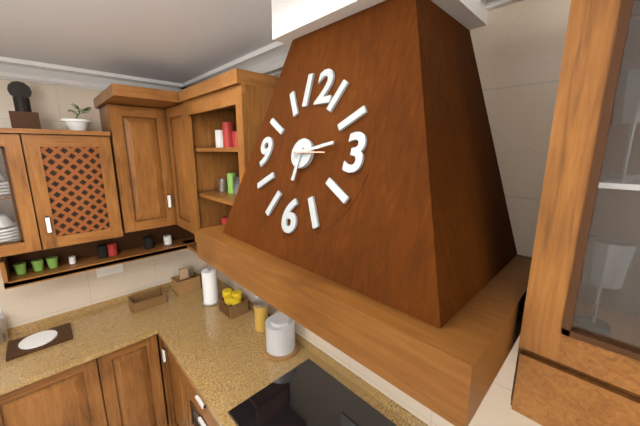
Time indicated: 6:13
